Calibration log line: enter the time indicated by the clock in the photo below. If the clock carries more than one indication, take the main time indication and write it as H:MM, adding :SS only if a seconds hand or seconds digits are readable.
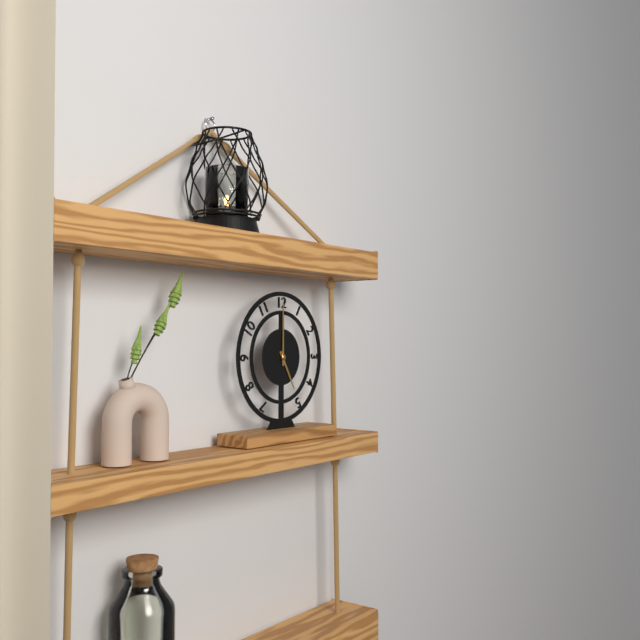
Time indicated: 5:00
